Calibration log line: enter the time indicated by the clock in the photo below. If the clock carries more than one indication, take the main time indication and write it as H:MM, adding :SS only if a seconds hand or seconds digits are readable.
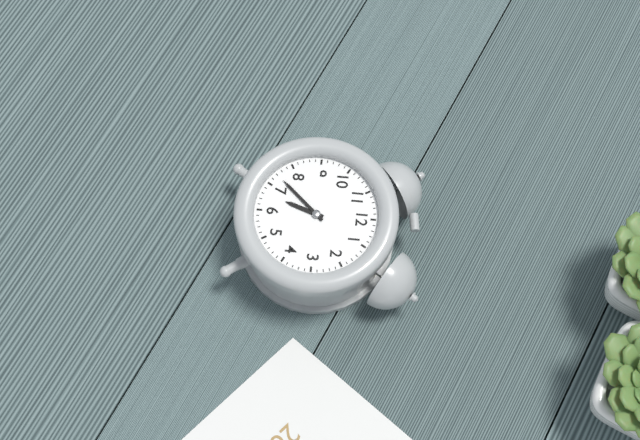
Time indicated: 6:37
